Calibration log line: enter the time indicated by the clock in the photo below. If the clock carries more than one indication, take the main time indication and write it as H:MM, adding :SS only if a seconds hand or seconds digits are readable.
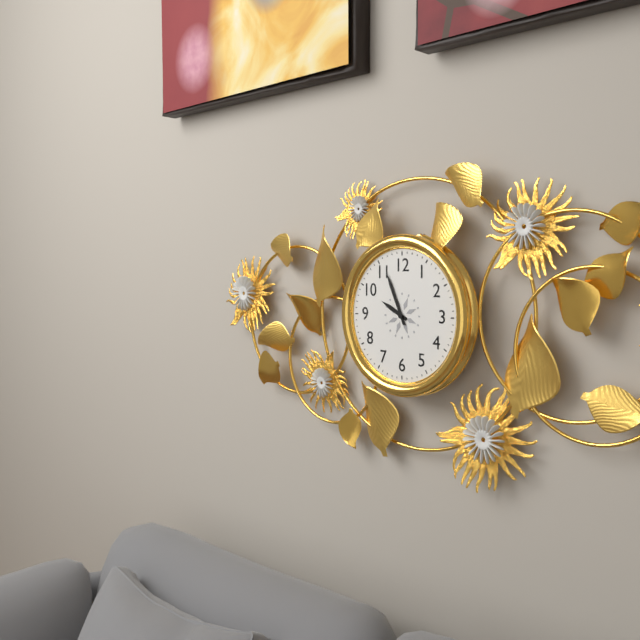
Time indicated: 9:56
